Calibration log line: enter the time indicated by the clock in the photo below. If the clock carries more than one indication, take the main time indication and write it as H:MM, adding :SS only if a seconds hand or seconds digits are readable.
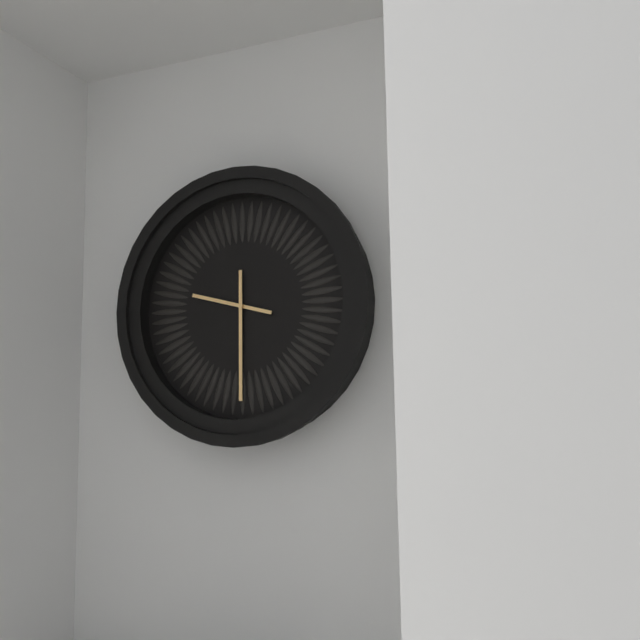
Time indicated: 9:30
